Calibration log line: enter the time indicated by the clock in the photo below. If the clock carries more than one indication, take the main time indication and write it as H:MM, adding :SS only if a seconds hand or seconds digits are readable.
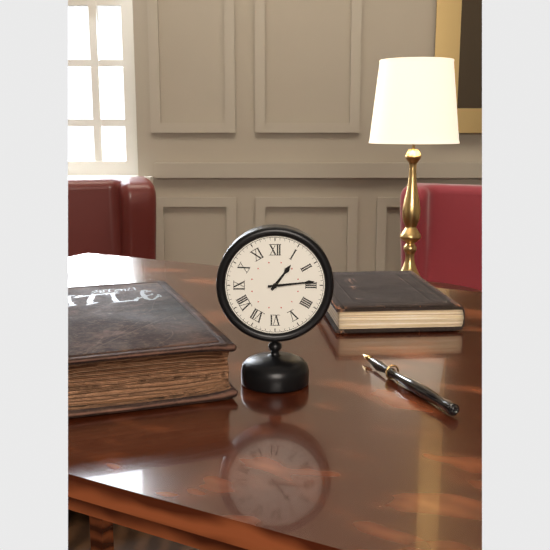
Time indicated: 1:14
